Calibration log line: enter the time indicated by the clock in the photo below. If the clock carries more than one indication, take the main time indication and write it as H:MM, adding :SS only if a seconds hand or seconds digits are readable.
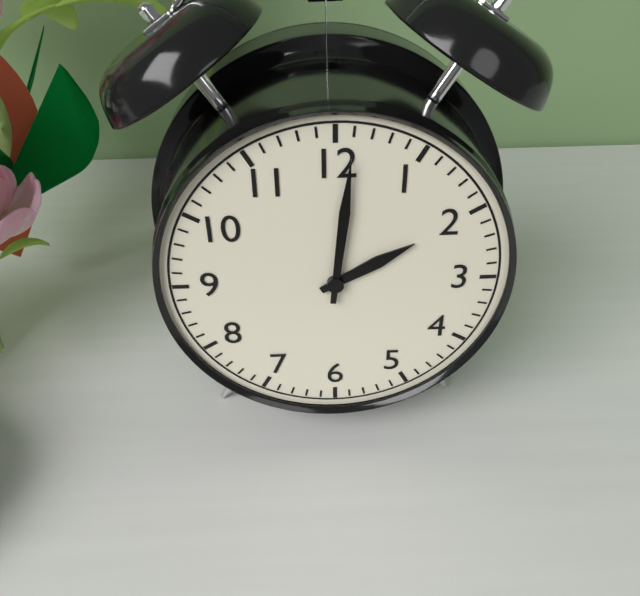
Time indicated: 2:01
